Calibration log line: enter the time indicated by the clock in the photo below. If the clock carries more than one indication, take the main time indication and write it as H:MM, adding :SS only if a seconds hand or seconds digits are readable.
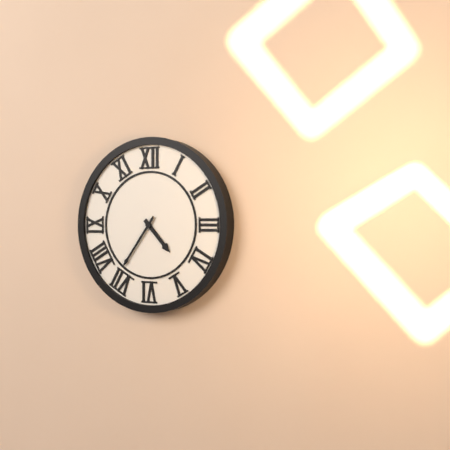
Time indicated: 4:36
